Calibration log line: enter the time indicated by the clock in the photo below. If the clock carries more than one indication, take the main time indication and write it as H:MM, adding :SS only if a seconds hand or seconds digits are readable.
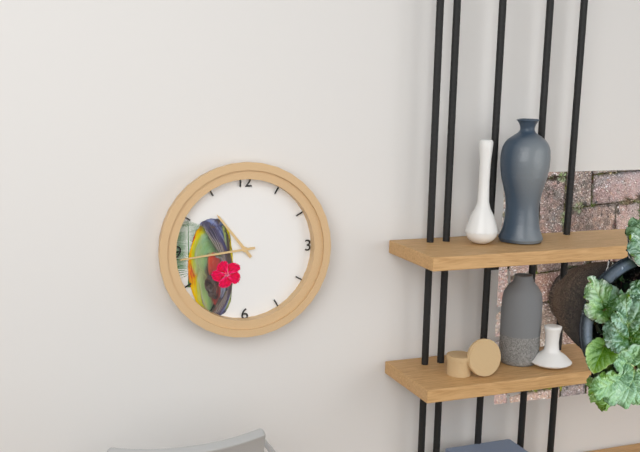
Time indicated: 10:44
